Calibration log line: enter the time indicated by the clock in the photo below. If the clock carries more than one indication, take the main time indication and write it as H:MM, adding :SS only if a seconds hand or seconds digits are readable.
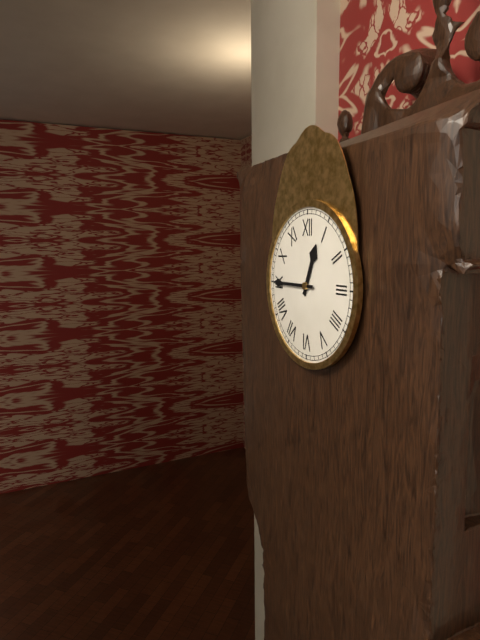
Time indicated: 12:45
